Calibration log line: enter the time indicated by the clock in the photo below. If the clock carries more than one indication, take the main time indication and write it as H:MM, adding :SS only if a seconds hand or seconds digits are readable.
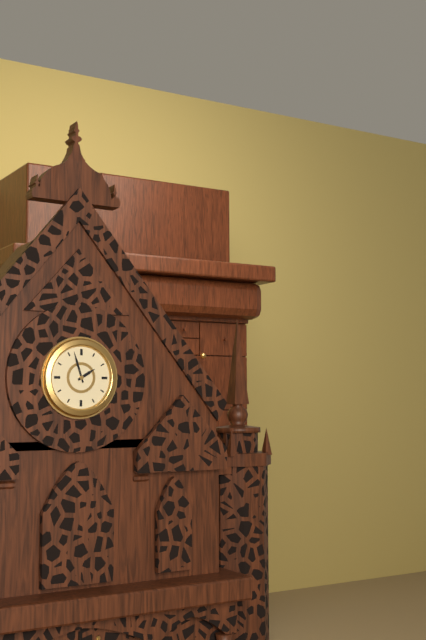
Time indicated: 1:57
